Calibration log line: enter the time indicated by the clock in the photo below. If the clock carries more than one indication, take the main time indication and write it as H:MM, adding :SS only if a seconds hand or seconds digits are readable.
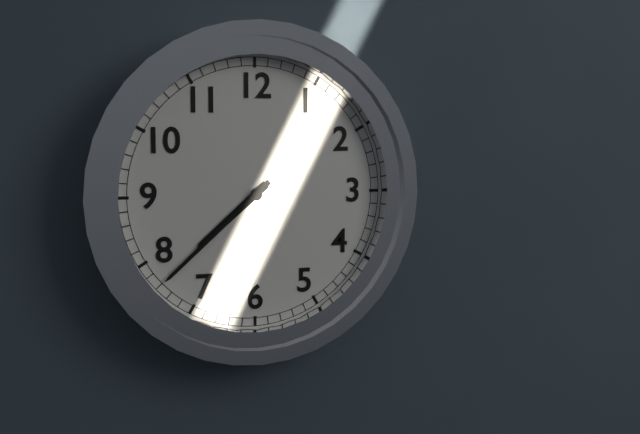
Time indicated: 7:38
